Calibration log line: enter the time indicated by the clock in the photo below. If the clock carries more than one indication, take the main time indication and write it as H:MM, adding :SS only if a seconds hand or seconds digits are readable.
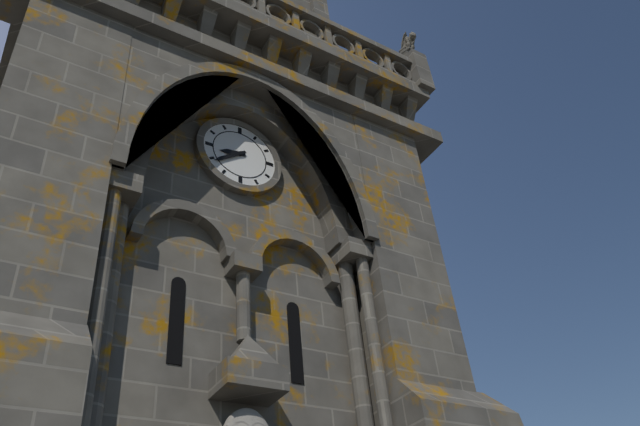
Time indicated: 8:39
